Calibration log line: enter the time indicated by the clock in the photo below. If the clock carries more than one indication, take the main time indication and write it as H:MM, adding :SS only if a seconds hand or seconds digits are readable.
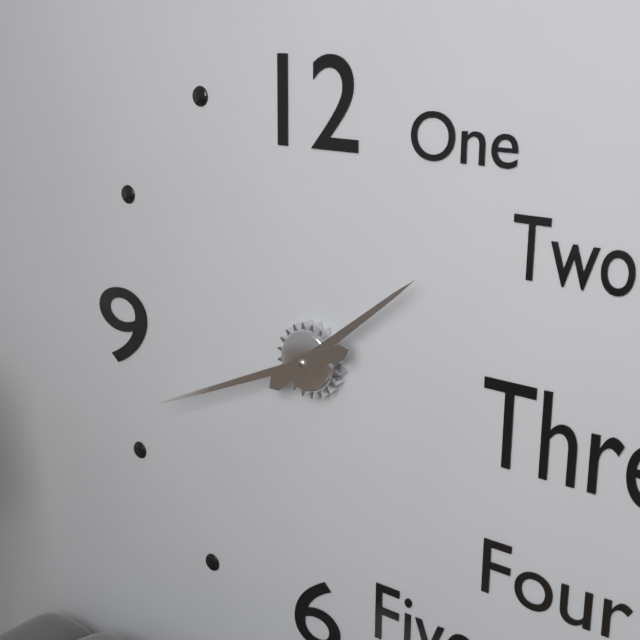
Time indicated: 1:41
